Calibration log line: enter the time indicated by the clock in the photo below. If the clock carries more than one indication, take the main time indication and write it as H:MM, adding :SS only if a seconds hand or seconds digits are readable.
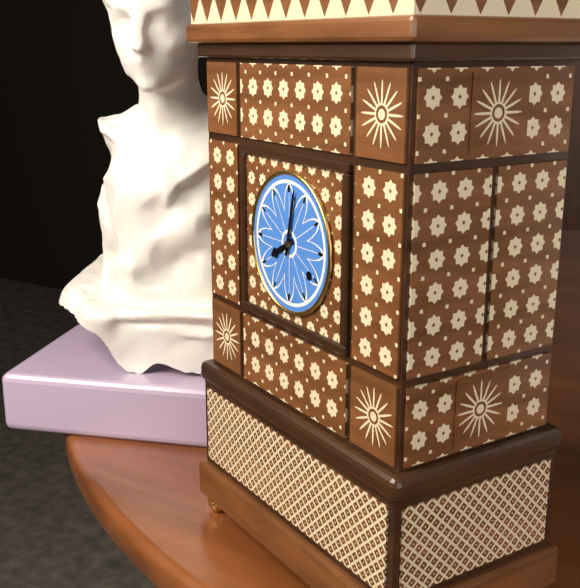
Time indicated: 8:02
